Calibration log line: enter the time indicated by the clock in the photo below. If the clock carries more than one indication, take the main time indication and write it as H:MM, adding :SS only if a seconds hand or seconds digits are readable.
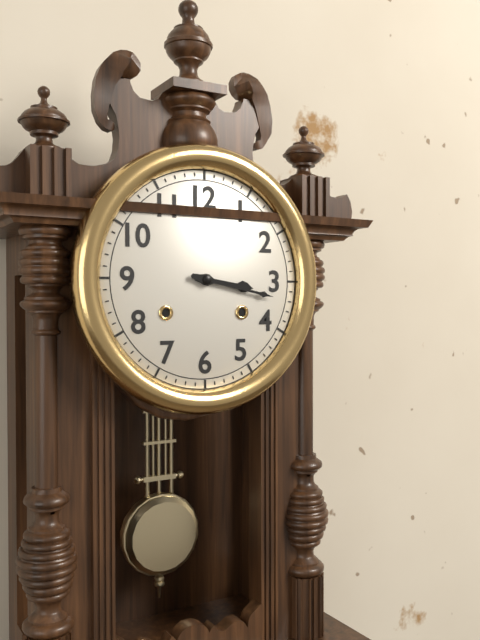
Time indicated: 3:17
